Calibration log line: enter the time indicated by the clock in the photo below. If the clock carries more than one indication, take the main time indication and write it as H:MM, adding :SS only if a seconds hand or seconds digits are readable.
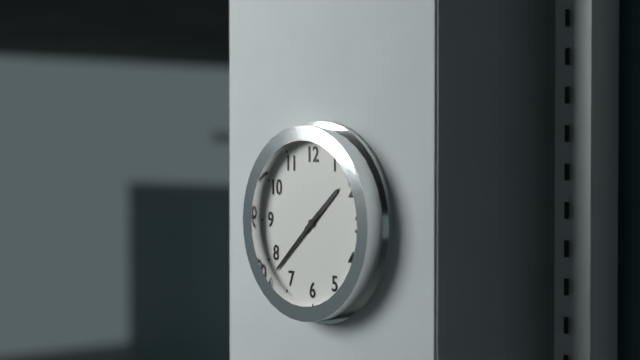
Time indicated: 1:38
